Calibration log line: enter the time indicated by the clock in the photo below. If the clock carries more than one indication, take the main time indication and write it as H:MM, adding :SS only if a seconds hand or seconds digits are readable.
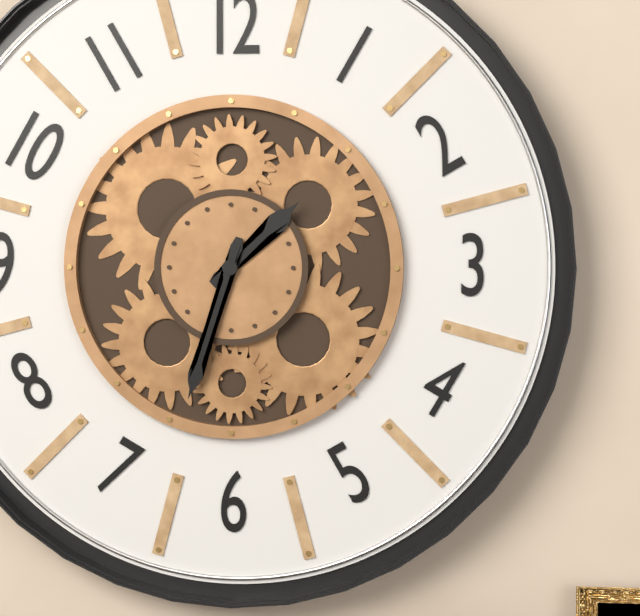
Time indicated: 1:33
